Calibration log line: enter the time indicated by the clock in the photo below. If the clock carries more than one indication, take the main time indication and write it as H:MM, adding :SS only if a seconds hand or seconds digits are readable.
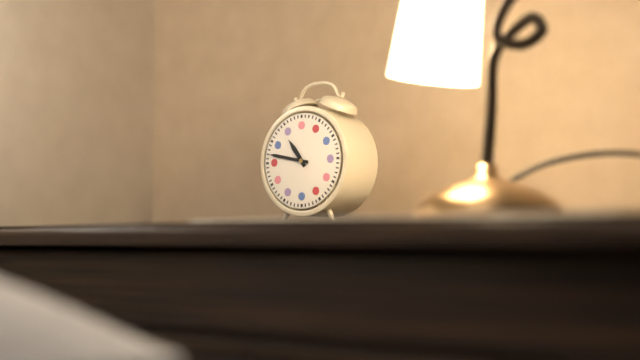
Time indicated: 10:47
